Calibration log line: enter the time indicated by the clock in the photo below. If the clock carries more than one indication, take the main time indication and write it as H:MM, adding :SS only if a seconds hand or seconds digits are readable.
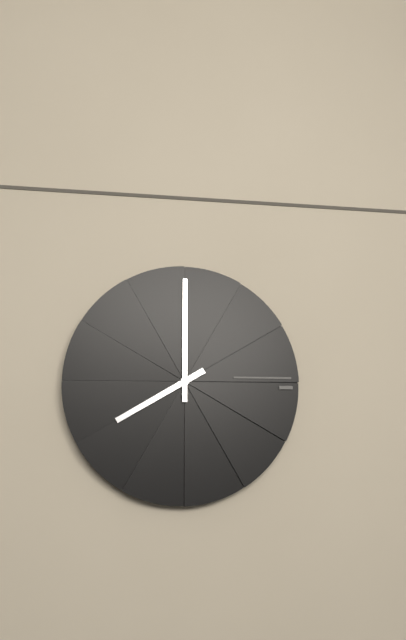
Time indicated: 8:00
